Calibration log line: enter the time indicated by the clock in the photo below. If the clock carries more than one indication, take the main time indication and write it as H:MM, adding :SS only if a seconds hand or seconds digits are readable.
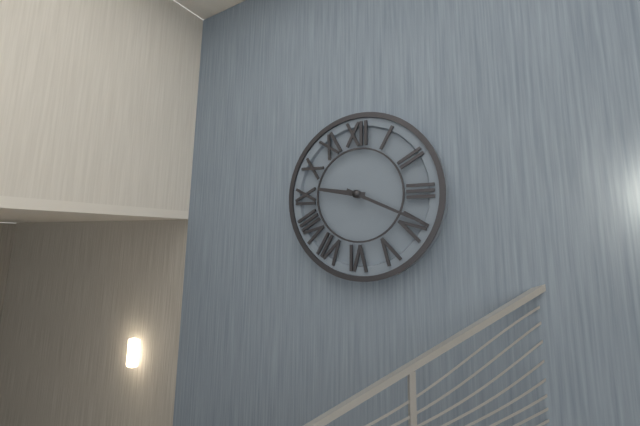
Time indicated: 9:19
